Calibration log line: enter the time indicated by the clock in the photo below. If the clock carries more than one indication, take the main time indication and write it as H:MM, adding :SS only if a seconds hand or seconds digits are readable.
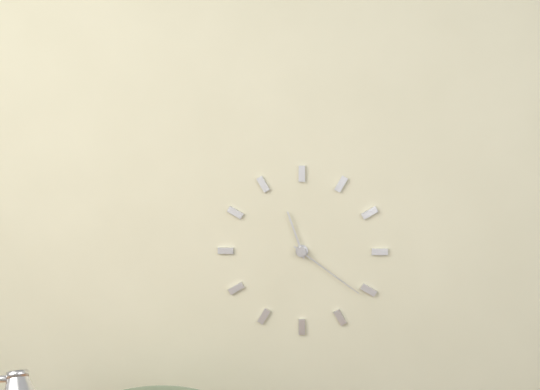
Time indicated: 11:21
